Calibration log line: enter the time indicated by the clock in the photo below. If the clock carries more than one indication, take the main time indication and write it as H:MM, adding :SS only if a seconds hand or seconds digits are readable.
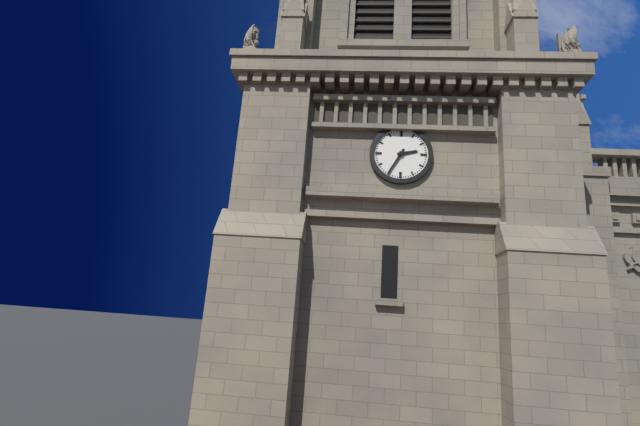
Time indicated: 2:35
